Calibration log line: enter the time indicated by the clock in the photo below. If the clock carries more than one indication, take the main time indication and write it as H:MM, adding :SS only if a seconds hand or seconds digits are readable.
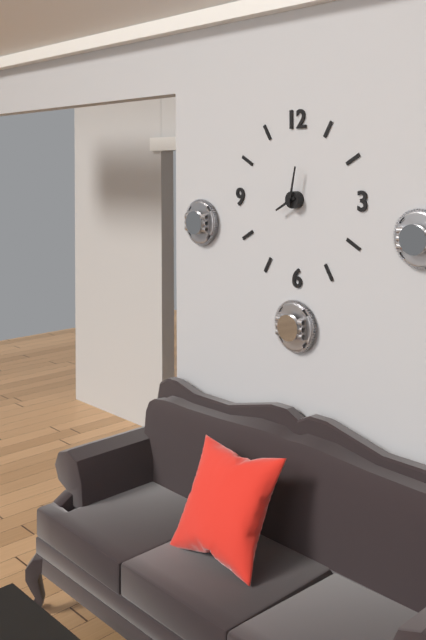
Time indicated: 8:02
